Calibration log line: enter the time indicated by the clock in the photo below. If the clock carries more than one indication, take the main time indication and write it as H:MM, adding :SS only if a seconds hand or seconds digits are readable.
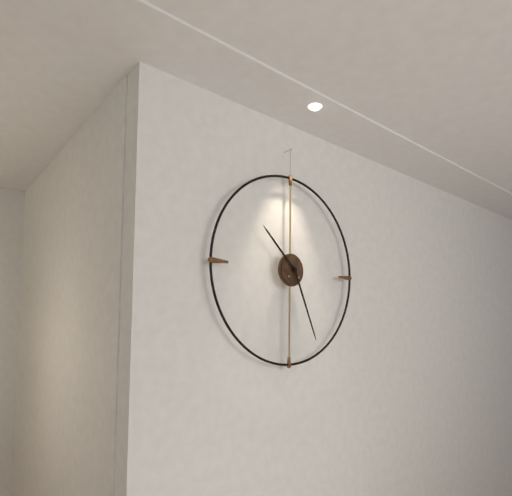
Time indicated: 10:26
